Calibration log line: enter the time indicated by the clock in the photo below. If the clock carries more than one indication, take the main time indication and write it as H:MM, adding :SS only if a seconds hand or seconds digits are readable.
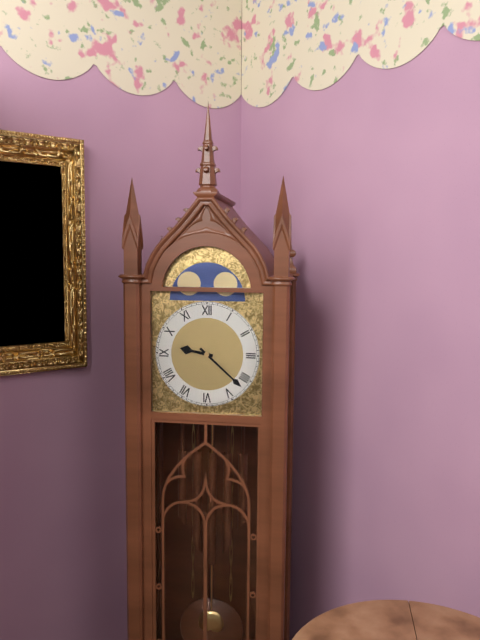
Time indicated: 9:22
